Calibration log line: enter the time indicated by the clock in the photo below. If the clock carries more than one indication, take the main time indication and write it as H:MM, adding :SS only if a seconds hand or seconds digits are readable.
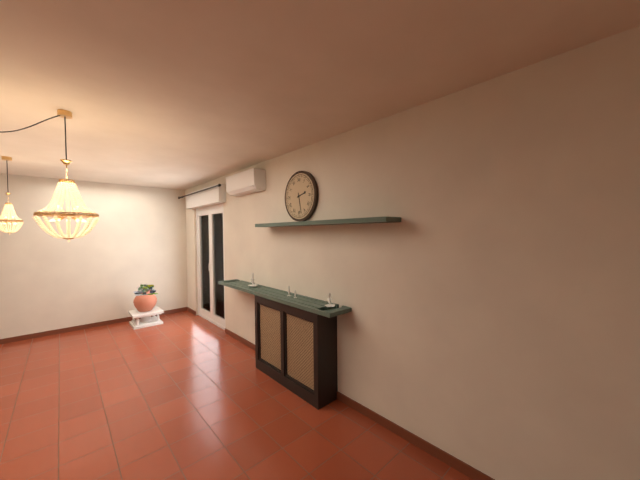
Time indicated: 2:28
